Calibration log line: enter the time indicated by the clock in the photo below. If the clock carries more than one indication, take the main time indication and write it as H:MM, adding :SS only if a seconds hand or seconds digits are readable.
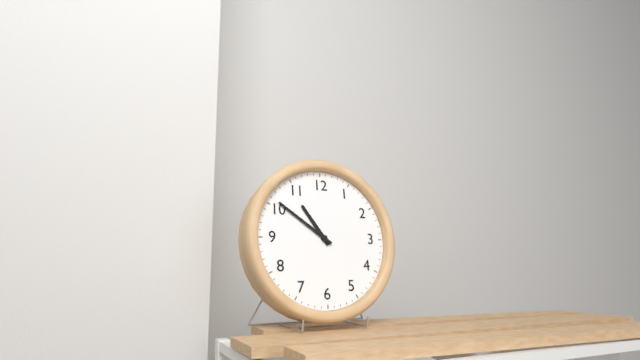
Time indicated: 10:51
